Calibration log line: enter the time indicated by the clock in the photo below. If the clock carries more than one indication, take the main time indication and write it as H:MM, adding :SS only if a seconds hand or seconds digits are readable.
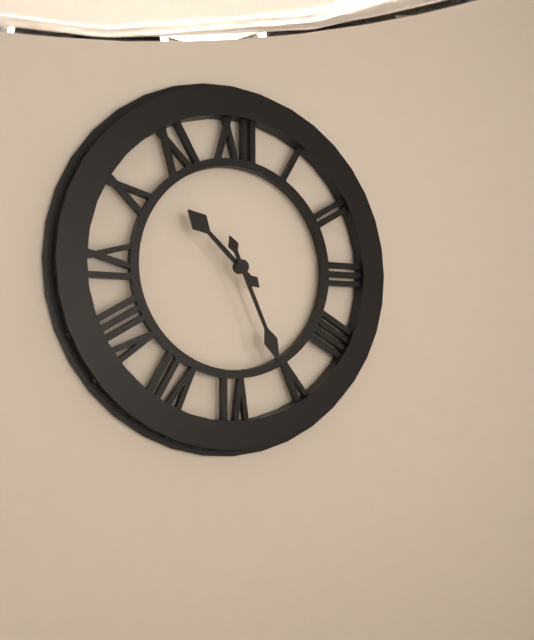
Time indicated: 10:26
